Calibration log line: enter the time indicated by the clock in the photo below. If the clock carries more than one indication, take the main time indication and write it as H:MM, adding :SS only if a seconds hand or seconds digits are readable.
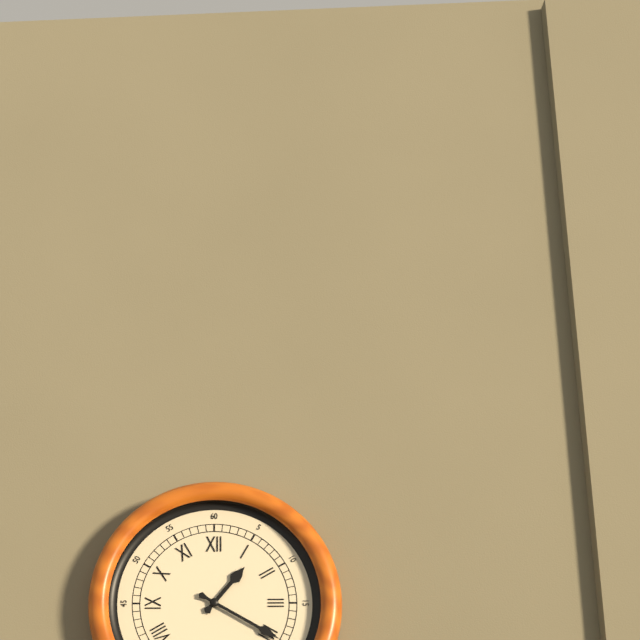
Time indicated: 1:20
